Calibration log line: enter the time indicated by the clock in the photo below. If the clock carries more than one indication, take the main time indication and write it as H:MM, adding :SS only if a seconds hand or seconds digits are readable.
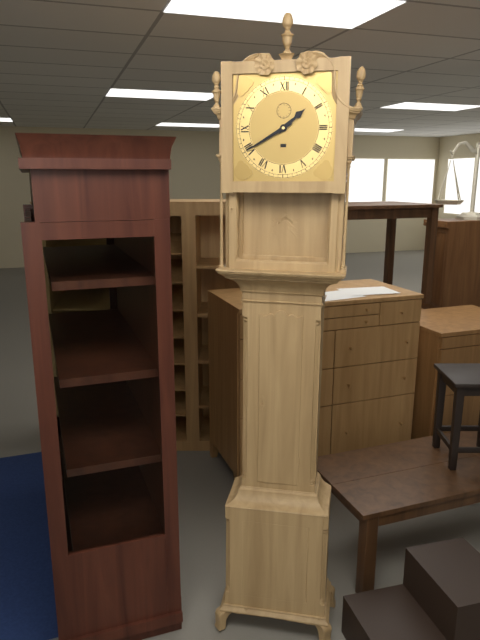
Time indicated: 1:40
